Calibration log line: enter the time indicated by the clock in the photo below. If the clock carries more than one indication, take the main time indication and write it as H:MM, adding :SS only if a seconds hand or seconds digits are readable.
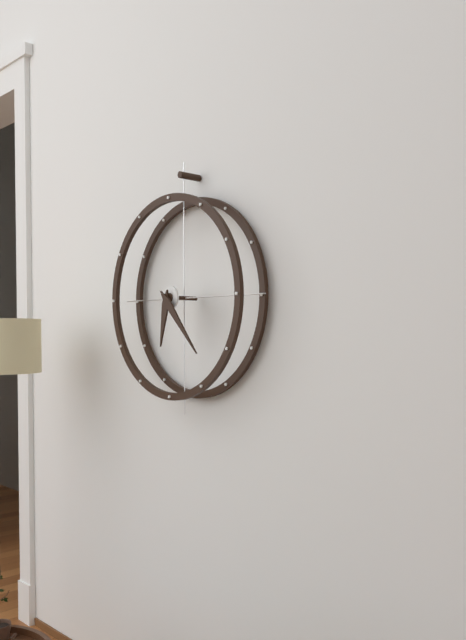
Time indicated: 6:23
